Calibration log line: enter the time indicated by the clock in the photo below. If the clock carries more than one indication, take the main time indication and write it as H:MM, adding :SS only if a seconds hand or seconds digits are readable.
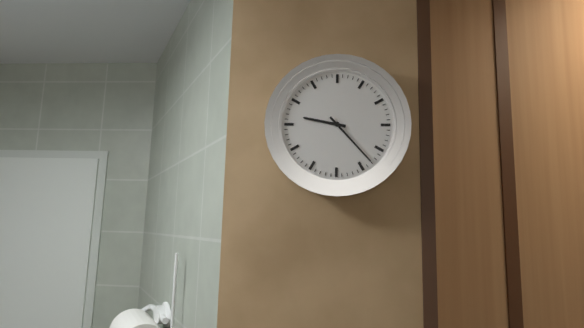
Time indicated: 9:23
